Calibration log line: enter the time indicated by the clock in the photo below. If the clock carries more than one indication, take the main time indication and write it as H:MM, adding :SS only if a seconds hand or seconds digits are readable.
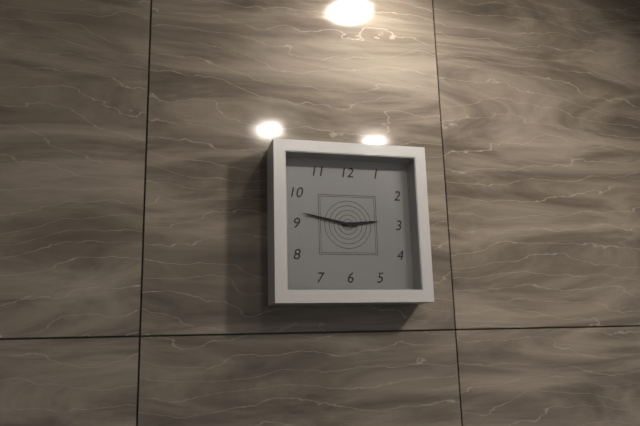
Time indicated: 2:47
